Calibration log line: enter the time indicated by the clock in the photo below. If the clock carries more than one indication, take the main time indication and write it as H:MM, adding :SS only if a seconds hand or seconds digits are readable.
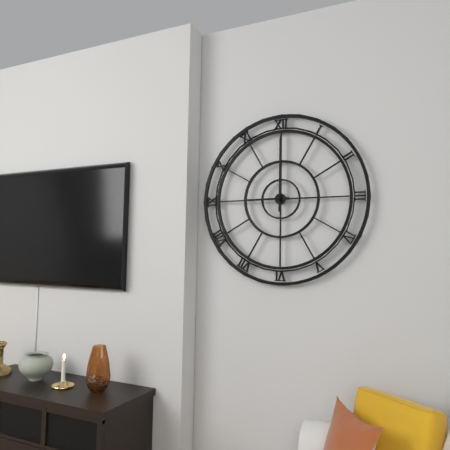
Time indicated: 9:00
